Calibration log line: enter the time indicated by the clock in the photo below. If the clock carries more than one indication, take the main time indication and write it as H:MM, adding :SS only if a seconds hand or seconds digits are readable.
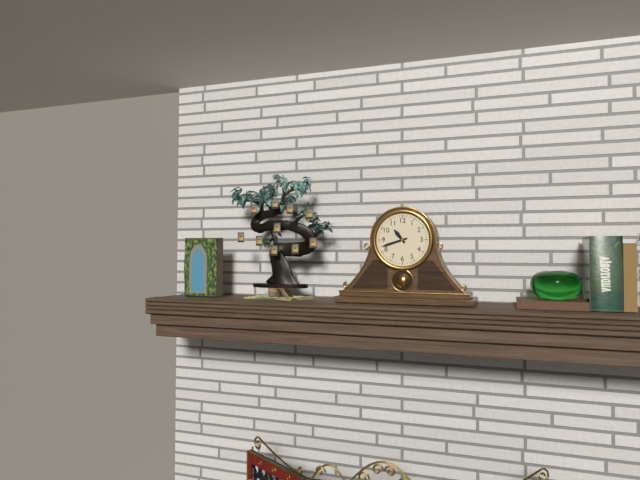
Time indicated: 10:42
